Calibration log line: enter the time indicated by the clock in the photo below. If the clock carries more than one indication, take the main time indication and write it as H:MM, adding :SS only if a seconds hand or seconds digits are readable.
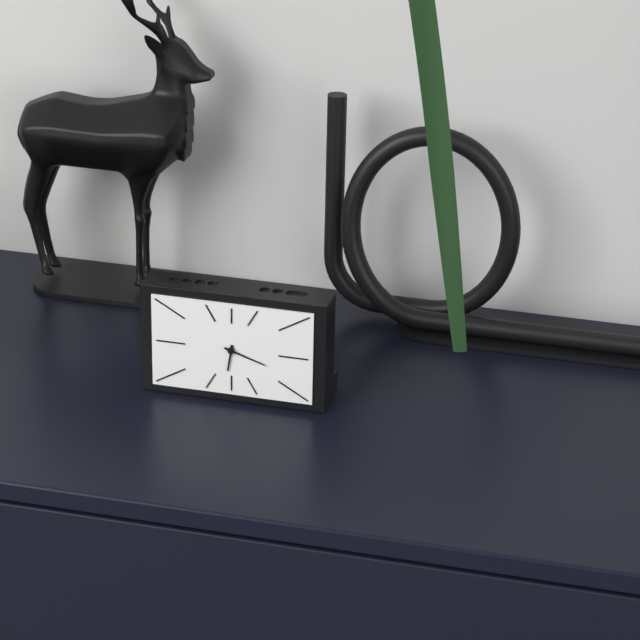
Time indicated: 6:18
